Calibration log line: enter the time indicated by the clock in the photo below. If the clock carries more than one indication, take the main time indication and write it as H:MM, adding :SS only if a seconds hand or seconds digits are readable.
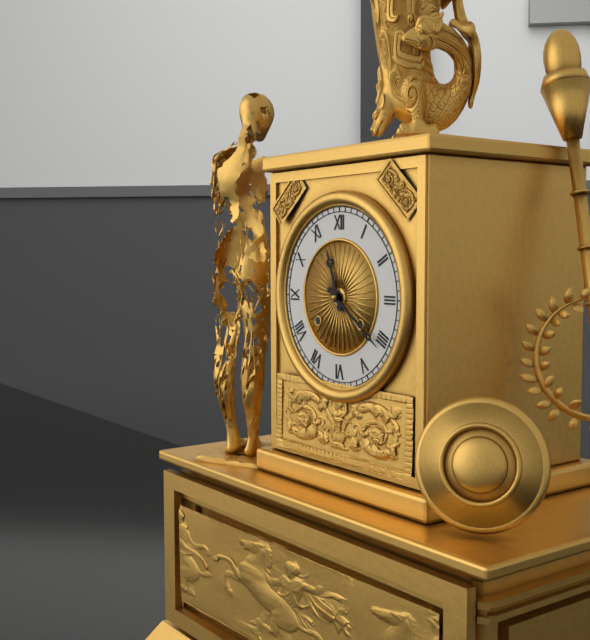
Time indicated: 11:21
